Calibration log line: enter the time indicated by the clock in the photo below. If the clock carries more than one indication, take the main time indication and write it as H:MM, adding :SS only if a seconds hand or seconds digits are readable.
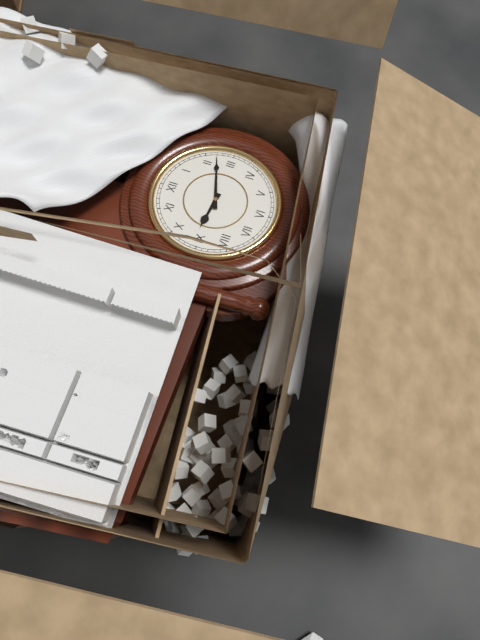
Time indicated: 9:12
